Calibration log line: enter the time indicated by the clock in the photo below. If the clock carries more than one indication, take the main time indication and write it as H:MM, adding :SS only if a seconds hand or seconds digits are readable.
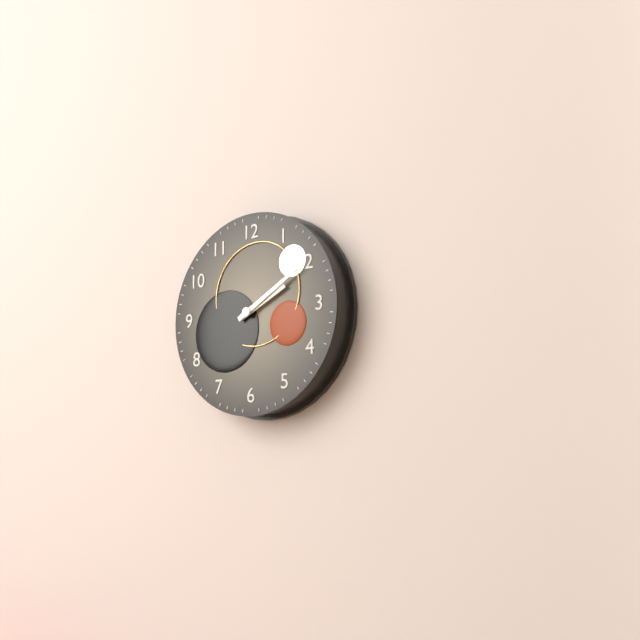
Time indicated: 2:10
